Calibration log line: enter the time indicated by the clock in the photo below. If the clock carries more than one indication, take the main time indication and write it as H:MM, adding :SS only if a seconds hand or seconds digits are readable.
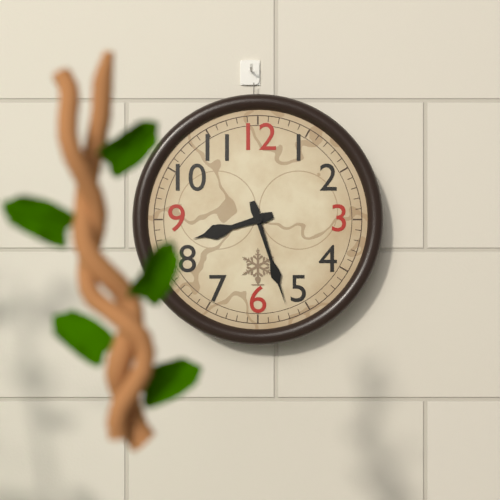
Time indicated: 8:27
